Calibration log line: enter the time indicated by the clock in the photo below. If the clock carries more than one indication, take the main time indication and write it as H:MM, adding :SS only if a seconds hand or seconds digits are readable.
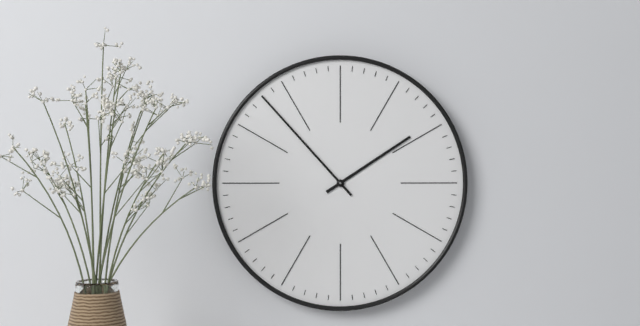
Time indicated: 1:53
